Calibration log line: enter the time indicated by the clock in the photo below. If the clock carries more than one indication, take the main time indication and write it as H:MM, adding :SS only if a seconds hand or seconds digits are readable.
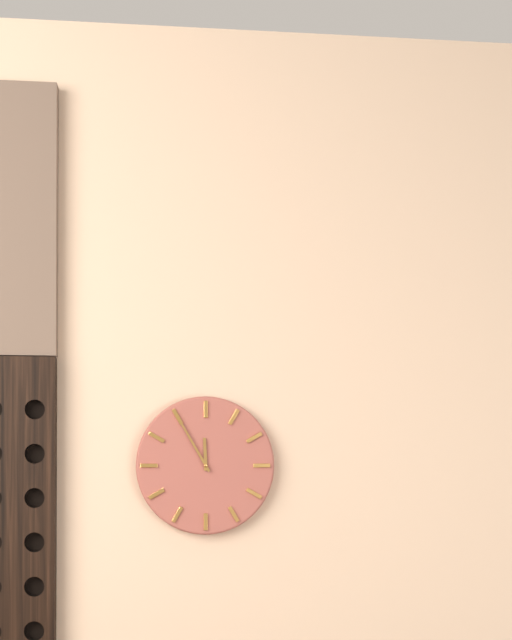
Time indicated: 11:55
